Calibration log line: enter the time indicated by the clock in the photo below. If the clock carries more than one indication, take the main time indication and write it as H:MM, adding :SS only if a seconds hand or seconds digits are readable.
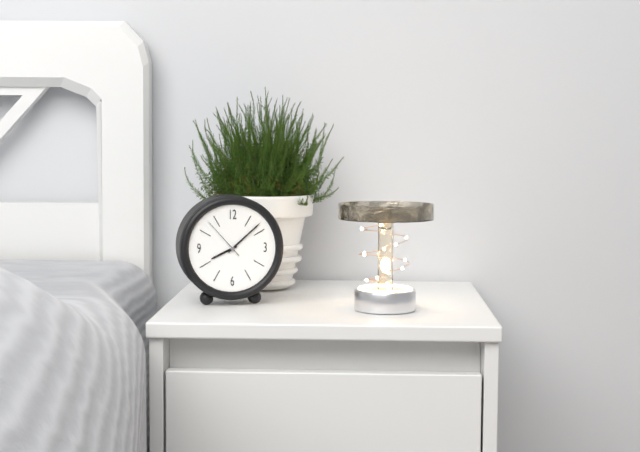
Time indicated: 8:08
